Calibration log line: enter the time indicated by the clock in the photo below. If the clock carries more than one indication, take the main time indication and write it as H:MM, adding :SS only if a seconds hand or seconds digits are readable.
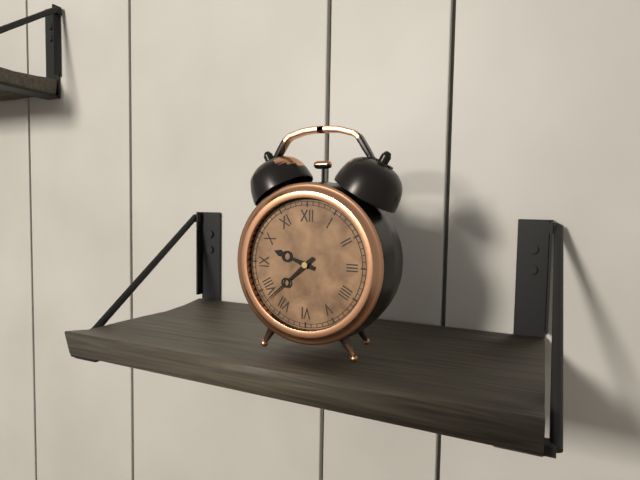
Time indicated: 9:38
